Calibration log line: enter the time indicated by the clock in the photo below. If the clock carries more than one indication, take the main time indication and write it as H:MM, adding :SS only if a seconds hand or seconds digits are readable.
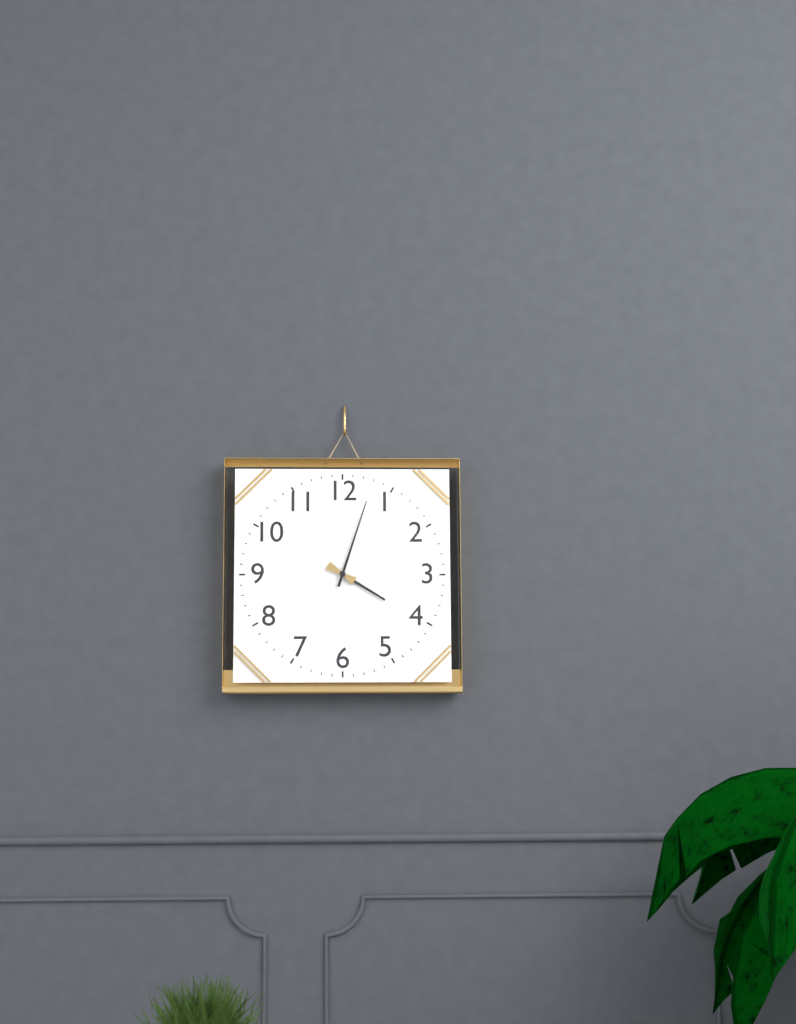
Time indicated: 4:03
